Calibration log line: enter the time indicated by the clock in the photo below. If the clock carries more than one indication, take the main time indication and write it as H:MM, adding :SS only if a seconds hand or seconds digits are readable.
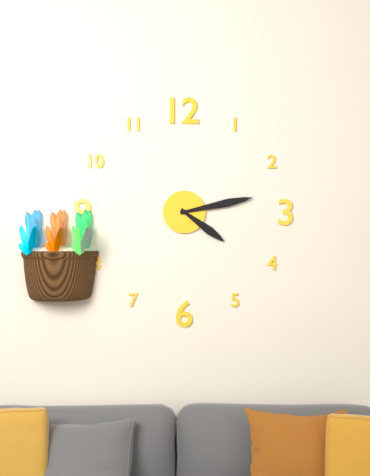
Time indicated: 4:13
